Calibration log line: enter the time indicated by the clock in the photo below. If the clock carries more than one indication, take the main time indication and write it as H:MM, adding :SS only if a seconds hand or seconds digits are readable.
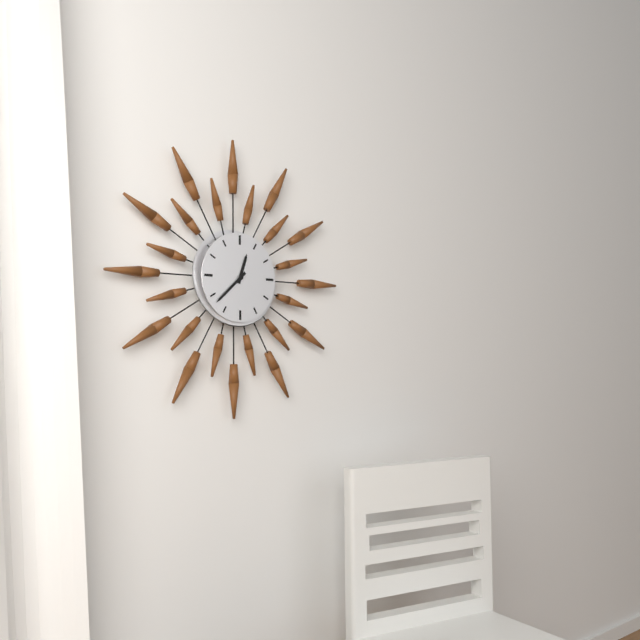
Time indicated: 12:38
